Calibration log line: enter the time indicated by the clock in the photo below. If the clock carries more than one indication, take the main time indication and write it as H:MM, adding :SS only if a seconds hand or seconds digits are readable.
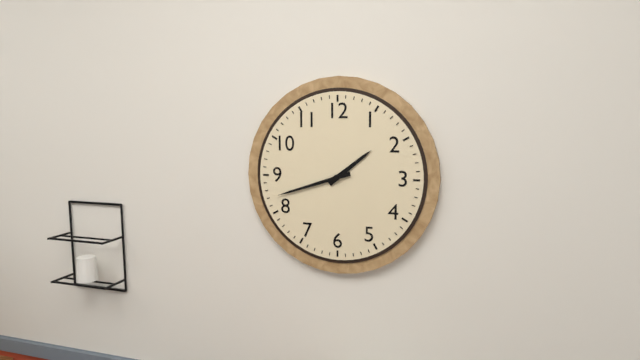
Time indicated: 1:42
